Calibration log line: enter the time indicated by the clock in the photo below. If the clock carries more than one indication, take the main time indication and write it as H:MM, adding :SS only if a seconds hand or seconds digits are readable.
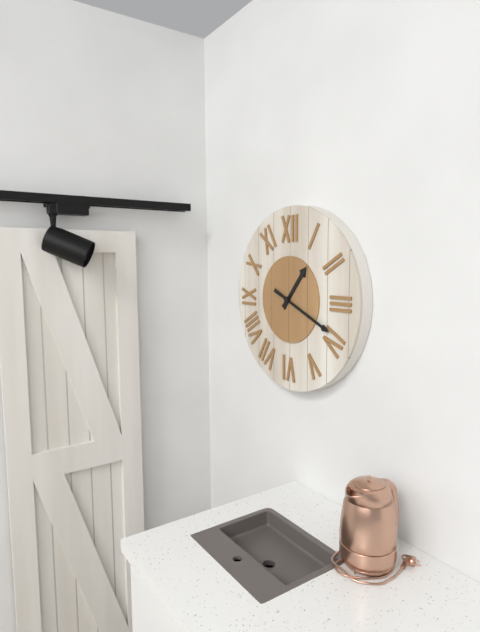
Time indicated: 1:19
